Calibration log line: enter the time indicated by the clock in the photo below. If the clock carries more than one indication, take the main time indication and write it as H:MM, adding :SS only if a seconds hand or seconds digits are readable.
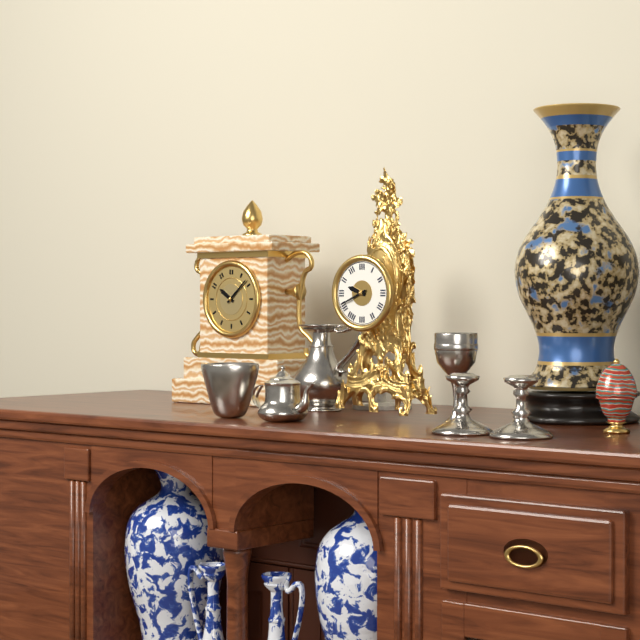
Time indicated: 9:41
